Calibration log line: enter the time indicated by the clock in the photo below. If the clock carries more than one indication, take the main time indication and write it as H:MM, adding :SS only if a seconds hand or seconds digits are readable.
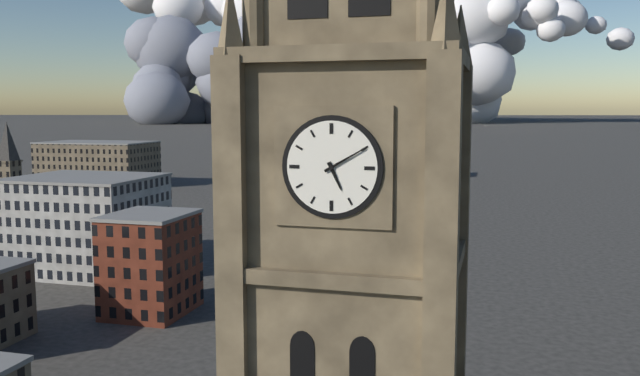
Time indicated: 5:10
